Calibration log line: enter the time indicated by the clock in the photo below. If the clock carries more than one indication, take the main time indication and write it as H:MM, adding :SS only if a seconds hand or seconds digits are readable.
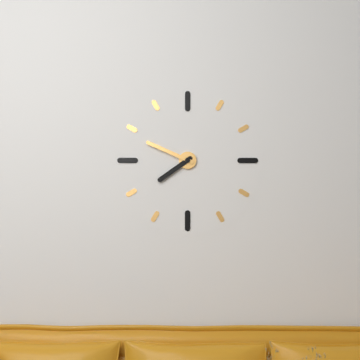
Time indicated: 7:49
